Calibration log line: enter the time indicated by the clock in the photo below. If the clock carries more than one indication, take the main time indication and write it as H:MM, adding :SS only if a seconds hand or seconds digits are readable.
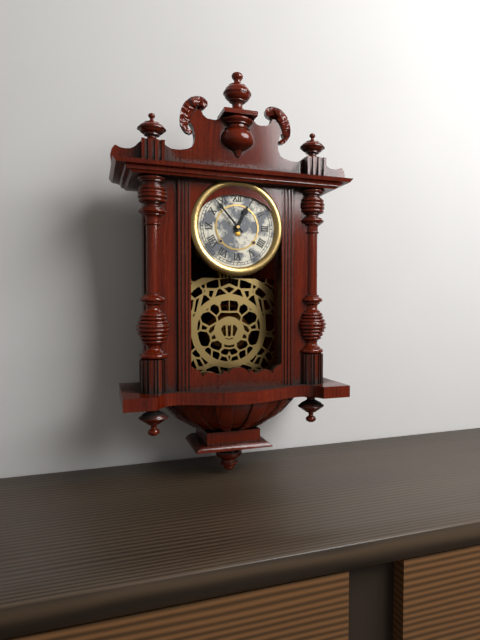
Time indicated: 12:53
